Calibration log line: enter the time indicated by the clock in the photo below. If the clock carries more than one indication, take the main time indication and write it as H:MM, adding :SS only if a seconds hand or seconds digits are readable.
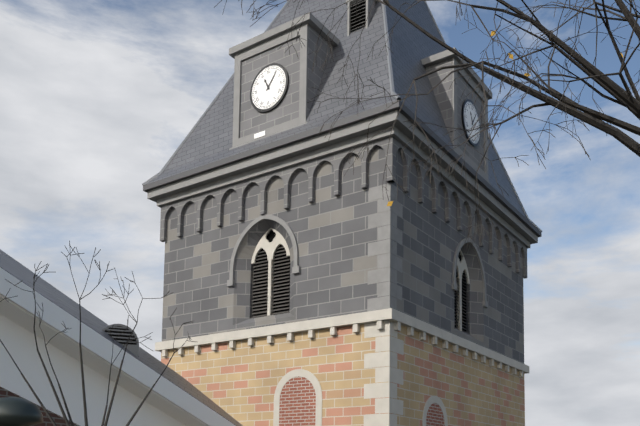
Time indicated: 11:06
